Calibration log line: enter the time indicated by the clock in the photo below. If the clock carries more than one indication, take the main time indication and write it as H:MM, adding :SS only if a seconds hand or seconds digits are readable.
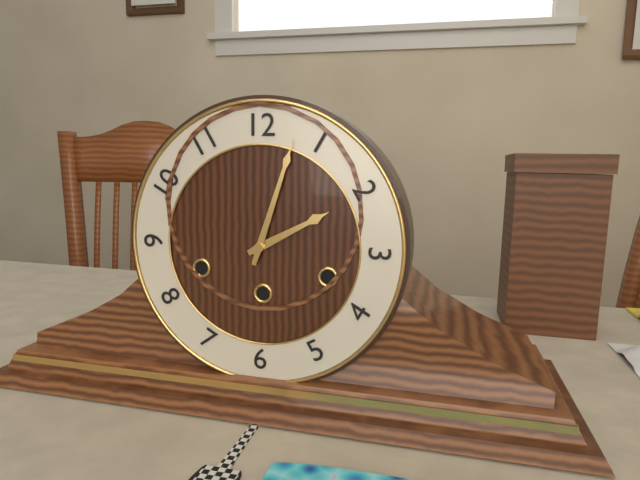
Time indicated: 2:03
